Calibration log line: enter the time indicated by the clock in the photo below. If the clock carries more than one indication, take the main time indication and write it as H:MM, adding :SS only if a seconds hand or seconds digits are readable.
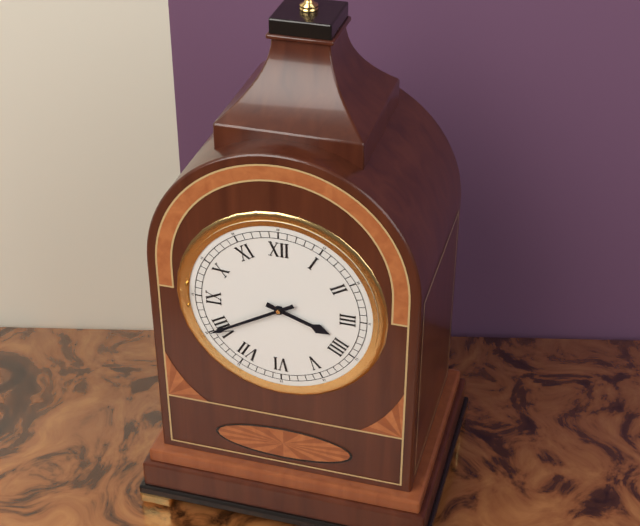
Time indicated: 3:40
